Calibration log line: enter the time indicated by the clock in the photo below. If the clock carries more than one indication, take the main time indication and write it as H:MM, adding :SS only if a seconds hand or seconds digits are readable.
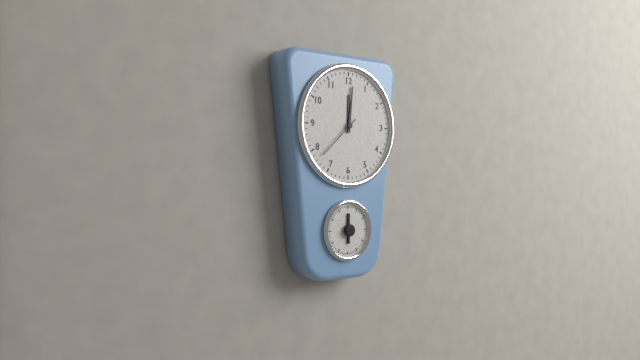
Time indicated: 12:01
